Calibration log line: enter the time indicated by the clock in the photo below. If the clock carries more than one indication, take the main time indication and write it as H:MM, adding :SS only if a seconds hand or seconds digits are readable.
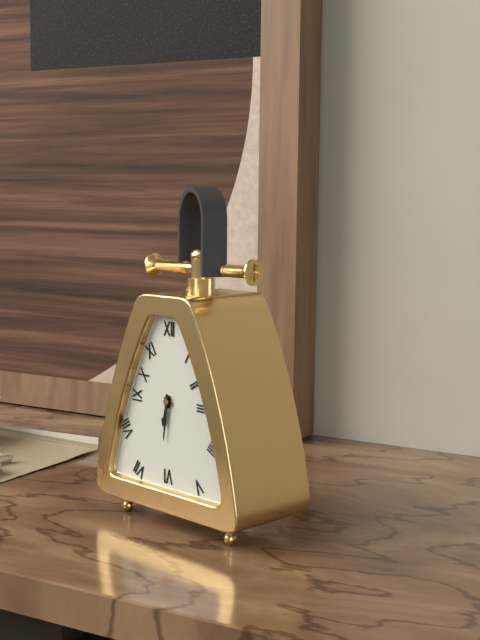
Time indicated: 6:31
